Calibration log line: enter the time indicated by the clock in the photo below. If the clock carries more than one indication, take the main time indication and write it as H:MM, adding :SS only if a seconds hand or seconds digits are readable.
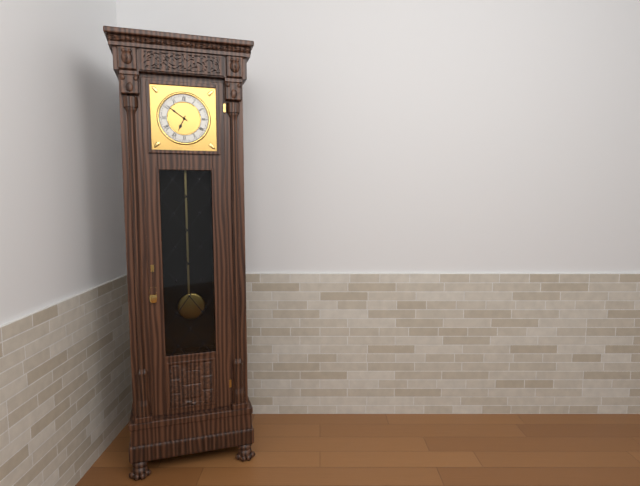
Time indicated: 6:51
